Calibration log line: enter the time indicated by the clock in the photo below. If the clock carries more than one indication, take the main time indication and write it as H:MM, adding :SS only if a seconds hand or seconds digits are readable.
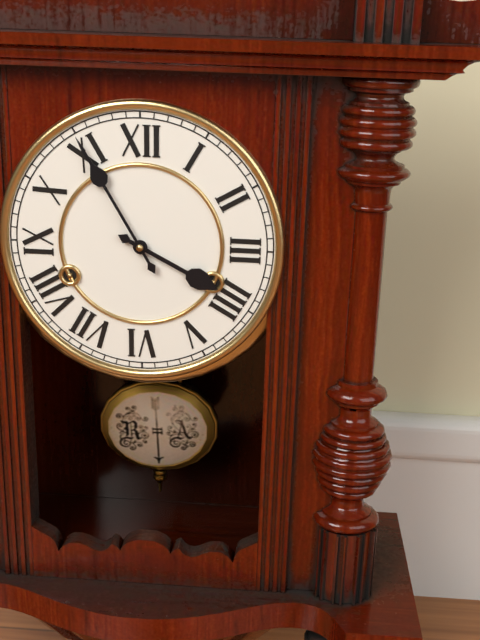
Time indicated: 3:55
